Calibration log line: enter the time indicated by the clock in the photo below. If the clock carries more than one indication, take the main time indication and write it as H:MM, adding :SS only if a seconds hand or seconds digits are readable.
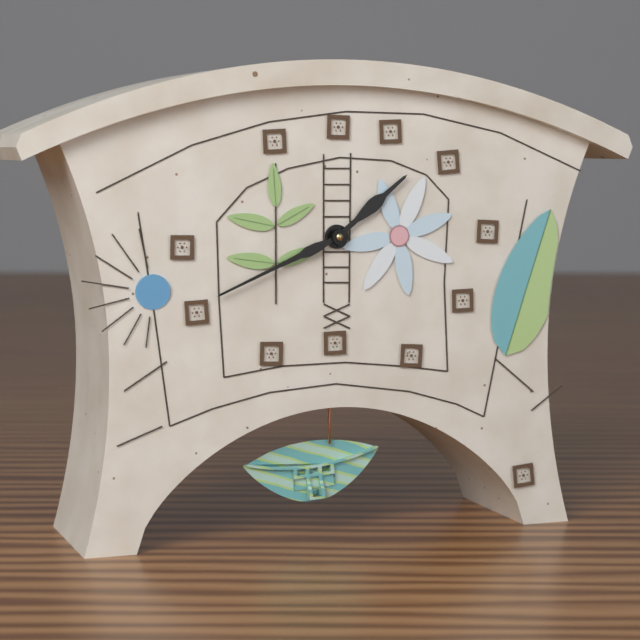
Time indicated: 1:41
